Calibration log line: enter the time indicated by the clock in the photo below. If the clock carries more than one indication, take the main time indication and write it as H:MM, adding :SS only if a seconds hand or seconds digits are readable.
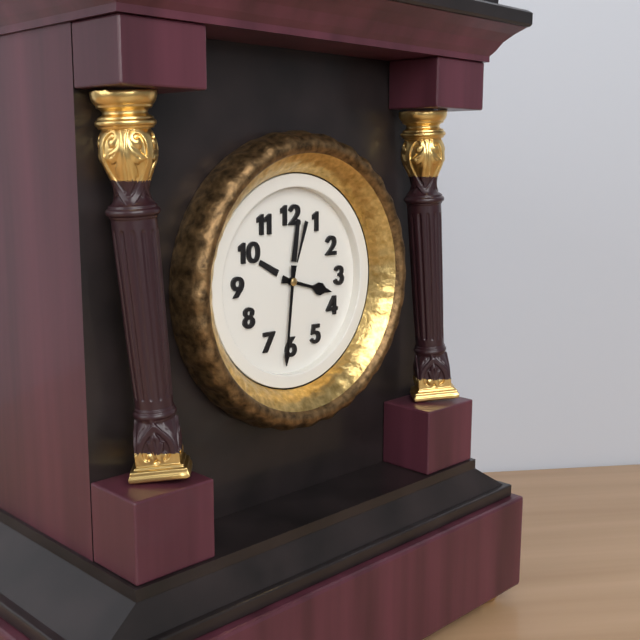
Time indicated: 3:31
